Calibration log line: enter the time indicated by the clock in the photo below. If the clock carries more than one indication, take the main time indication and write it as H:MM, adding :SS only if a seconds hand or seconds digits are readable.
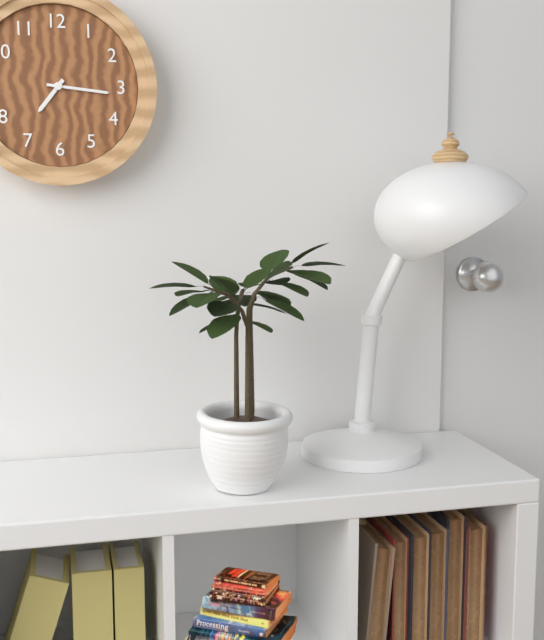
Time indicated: 7:16
